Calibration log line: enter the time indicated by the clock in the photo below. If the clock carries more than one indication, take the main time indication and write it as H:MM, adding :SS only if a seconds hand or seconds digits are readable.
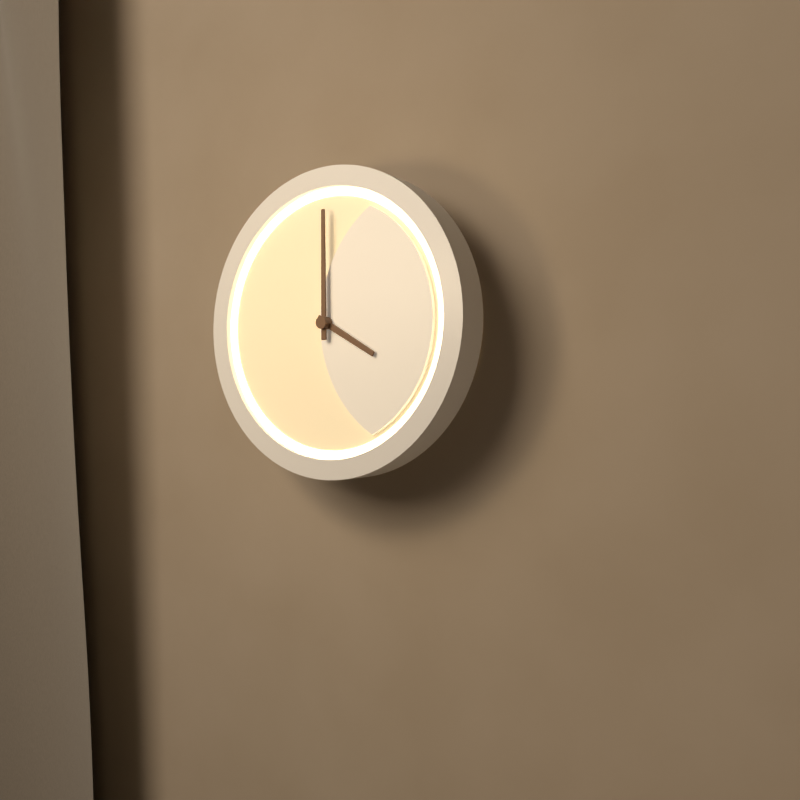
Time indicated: 4:00
